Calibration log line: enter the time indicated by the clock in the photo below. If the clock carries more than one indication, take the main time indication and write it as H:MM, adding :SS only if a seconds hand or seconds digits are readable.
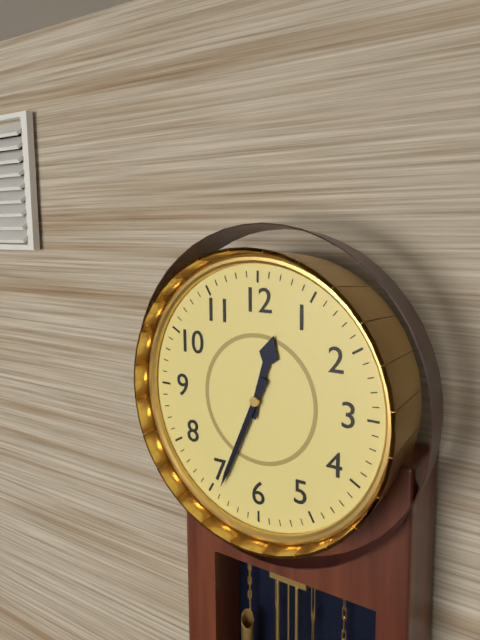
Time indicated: 12:34
